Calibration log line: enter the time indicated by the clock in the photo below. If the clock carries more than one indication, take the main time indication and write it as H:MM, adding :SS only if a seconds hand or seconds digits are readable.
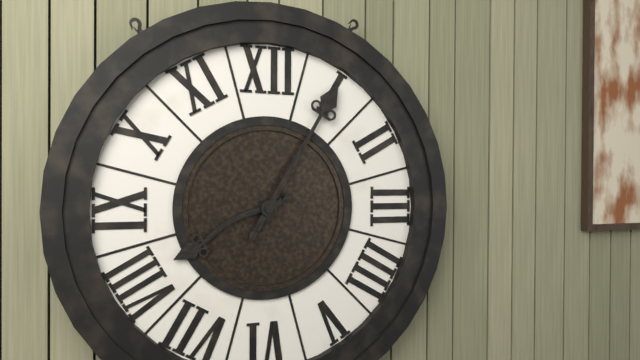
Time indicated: 8:05
